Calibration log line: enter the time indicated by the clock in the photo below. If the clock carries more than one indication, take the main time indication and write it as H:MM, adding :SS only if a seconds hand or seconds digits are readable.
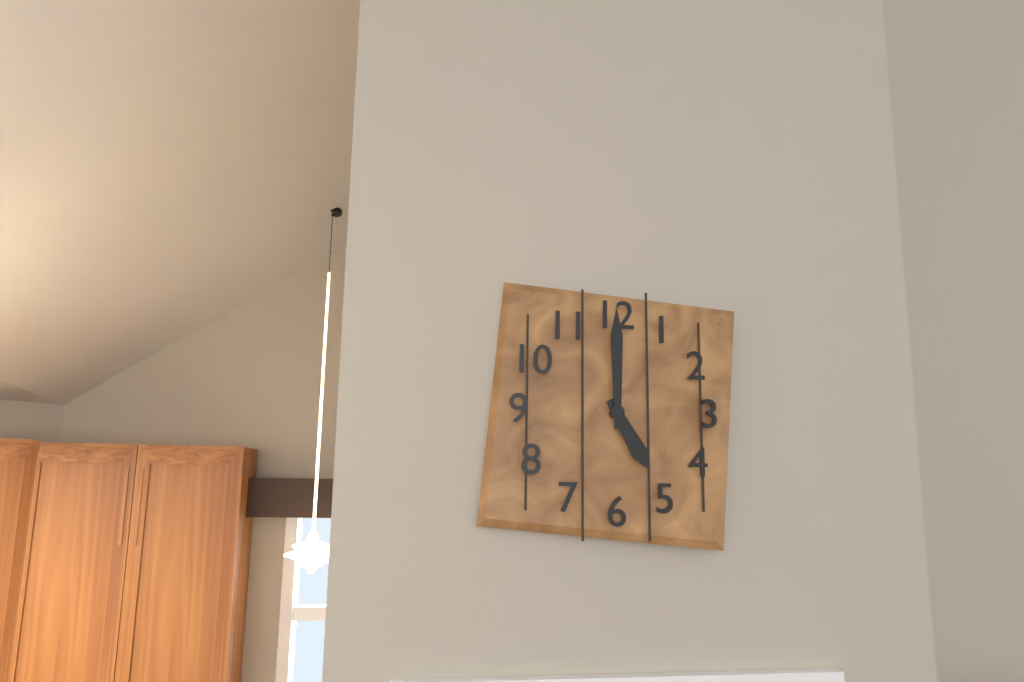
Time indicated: 5:00
